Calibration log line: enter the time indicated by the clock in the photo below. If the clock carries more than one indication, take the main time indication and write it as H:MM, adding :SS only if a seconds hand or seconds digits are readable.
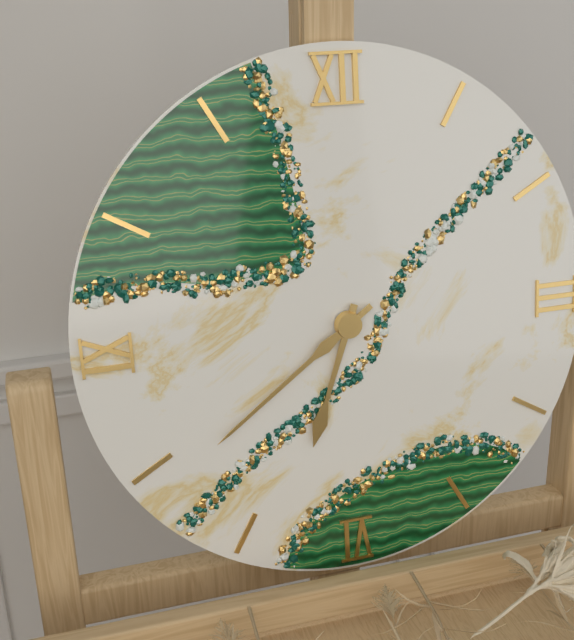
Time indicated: 6:39
